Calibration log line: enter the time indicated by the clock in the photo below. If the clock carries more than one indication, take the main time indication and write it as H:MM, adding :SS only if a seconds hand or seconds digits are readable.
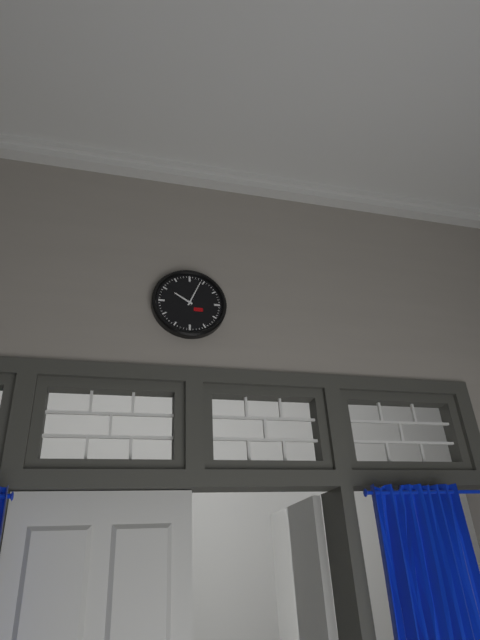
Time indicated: 10:04
